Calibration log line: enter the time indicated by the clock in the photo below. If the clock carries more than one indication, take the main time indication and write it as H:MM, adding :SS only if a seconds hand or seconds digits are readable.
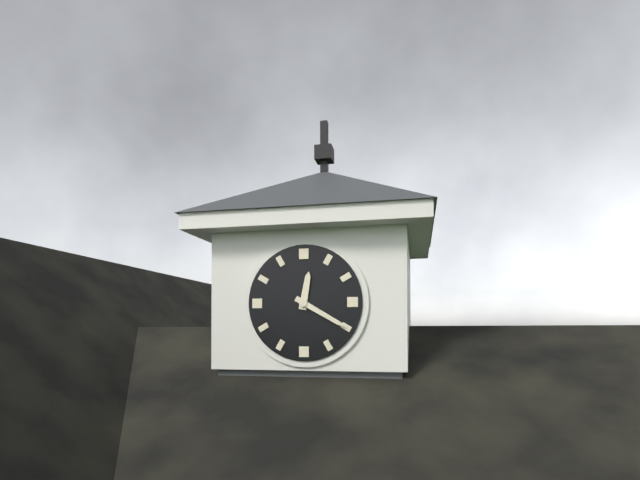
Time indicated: 12:20
